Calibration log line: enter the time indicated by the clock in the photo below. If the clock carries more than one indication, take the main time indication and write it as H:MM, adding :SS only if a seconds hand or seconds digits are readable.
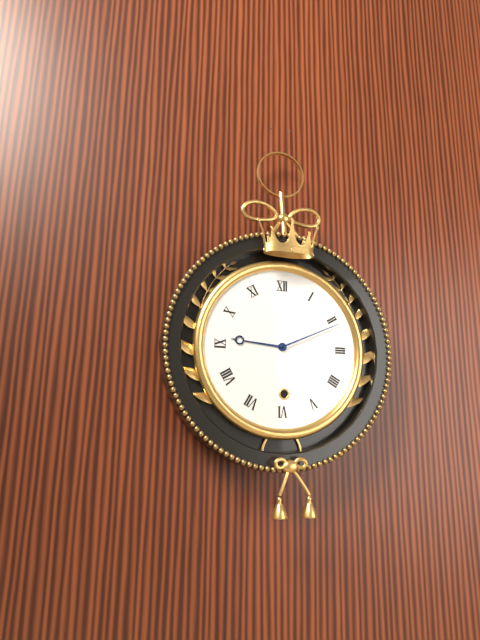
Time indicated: 9:11
